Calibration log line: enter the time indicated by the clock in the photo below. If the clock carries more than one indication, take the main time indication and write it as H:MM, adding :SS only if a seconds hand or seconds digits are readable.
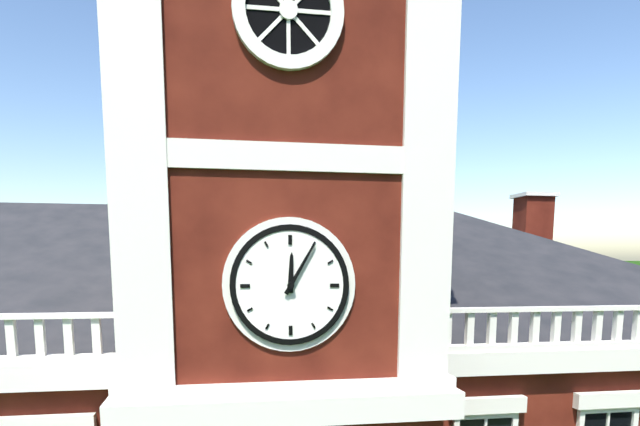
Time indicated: 12:05
